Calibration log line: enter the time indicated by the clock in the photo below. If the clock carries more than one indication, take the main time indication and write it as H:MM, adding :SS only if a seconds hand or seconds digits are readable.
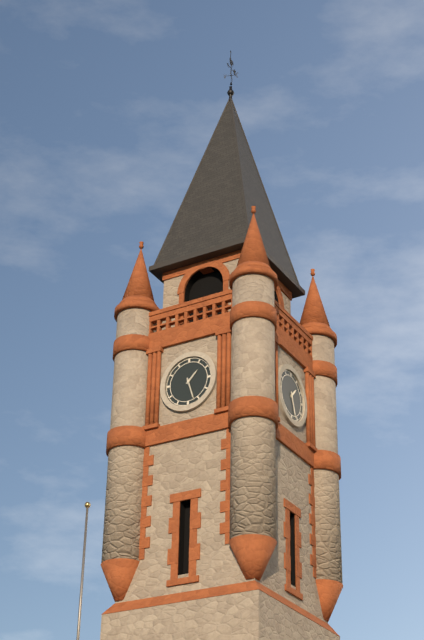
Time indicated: 1:27
